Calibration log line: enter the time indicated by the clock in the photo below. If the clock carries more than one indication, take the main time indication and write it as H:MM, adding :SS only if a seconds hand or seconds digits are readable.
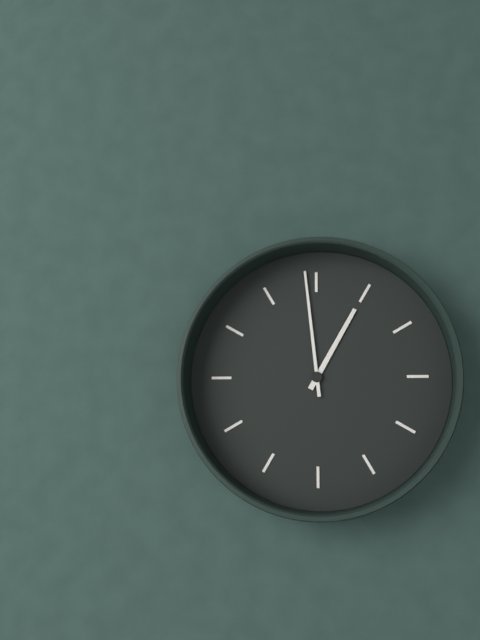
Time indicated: 12:59
